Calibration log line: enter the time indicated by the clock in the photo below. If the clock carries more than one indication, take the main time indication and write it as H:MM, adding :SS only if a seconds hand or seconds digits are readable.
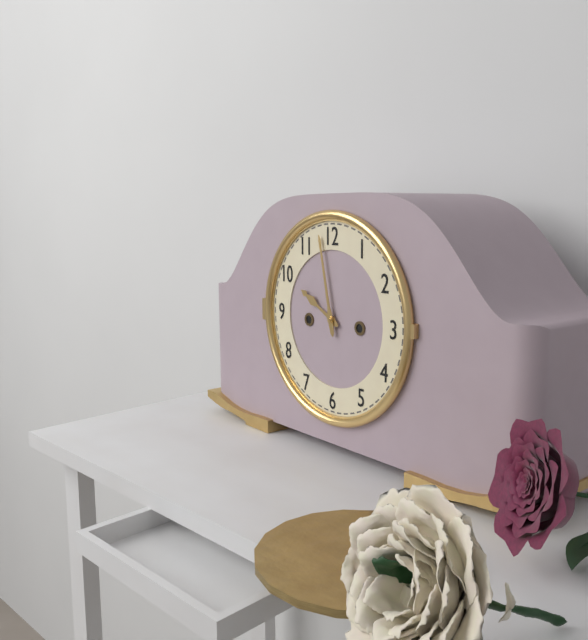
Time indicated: 9:58
